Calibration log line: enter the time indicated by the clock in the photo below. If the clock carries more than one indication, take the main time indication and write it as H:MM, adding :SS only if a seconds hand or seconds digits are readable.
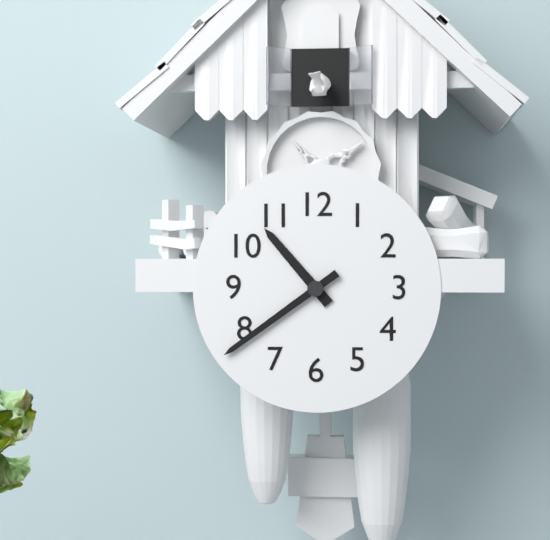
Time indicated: 10:39
